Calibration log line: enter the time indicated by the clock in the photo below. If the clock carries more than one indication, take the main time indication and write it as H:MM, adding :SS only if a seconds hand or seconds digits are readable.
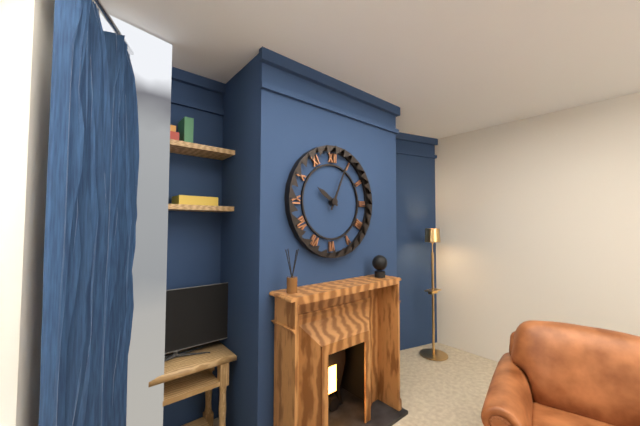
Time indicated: 10:04
